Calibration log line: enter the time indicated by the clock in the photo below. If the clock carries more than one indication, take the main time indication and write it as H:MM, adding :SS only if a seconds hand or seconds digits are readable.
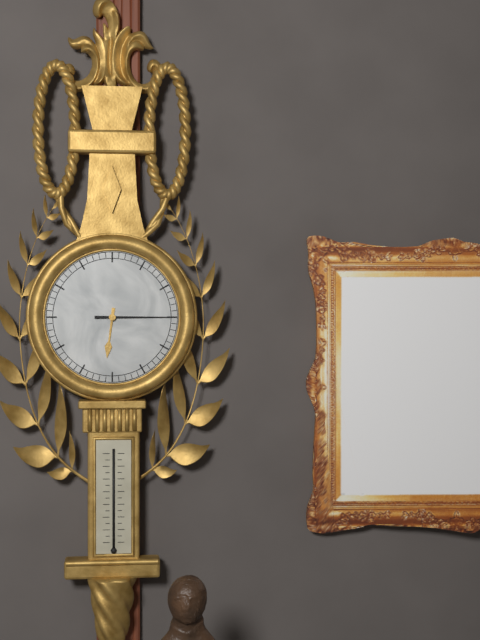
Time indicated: 6:15
